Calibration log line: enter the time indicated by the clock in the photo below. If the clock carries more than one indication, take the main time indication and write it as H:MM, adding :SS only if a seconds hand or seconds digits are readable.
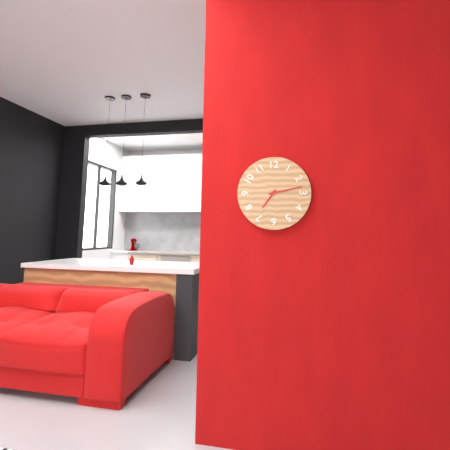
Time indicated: 7:13
